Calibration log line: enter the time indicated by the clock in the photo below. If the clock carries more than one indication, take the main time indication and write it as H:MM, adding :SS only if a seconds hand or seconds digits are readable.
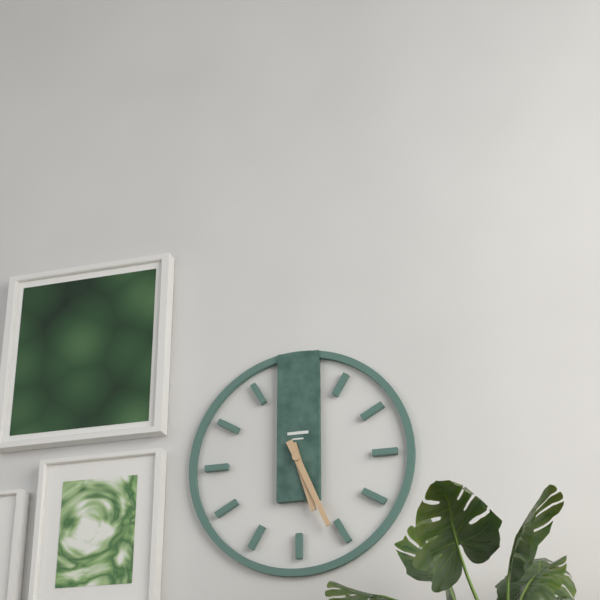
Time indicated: 5:26
